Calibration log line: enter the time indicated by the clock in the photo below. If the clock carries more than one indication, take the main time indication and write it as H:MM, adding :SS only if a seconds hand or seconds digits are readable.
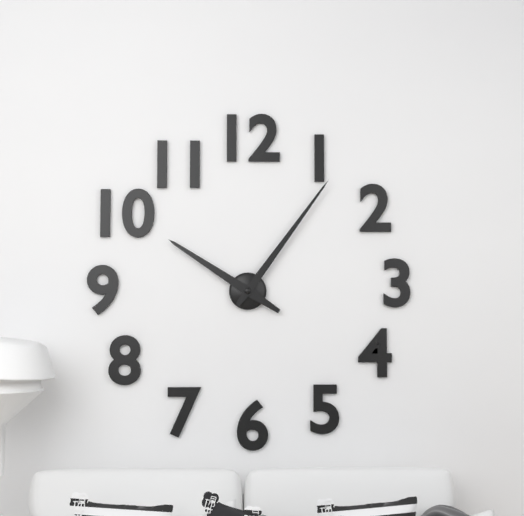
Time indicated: 10:06
